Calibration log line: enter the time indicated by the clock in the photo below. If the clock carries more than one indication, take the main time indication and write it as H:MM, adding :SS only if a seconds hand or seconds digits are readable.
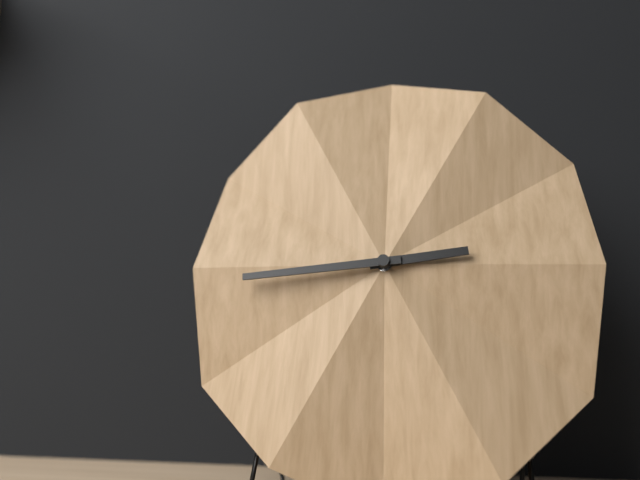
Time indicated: 2:44
